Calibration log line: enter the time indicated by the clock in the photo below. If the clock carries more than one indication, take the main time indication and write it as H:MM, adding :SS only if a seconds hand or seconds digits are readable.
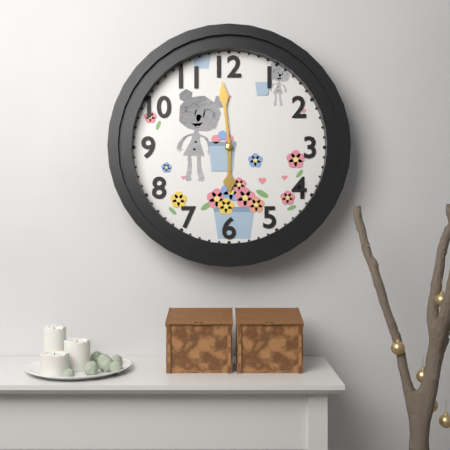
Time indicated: 5:59
